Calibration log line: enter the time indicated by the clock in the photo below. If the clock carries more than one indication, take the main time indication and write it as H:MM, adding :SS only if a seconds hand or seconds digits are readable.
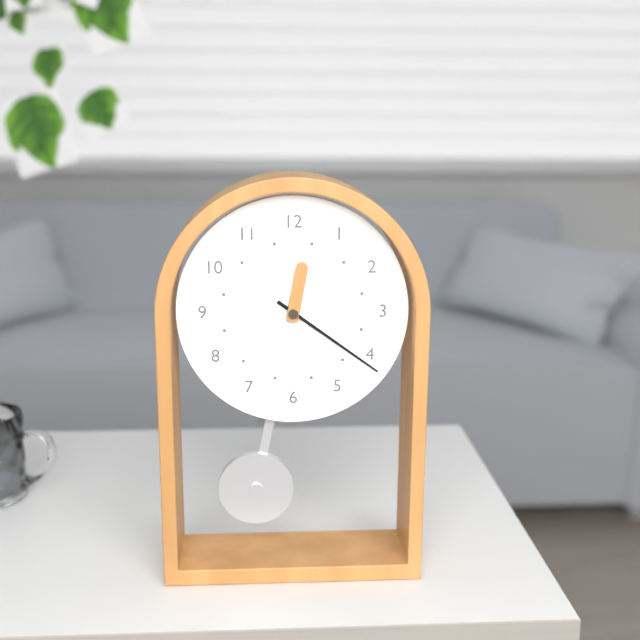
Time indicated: 12:21
